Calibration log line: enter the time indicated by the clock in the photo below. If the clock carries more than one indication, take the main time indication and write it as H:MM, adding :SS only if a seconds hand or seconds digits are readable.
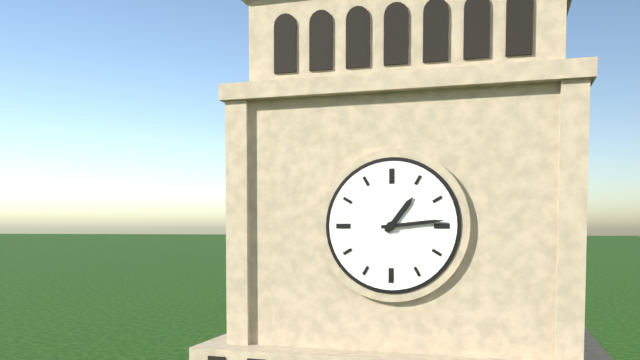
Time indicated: 1:14
